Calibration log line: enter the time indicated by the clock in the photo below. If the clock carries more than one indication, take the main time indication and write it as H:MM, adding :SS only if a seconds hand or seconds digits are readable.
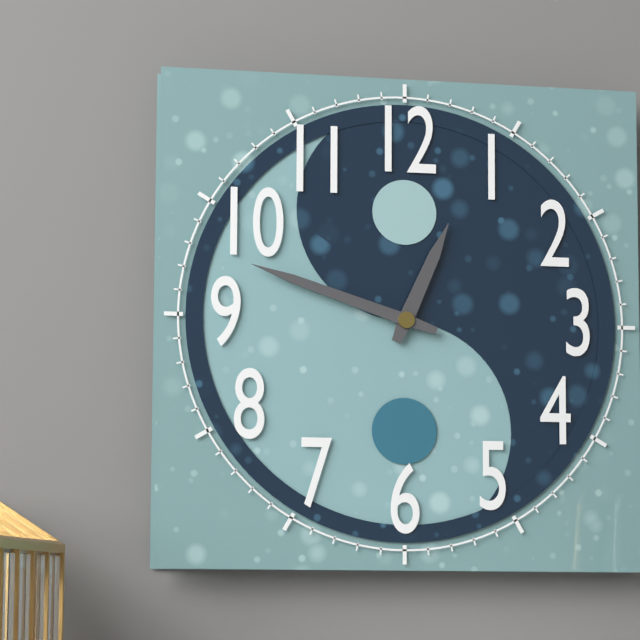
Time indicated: 12:48
